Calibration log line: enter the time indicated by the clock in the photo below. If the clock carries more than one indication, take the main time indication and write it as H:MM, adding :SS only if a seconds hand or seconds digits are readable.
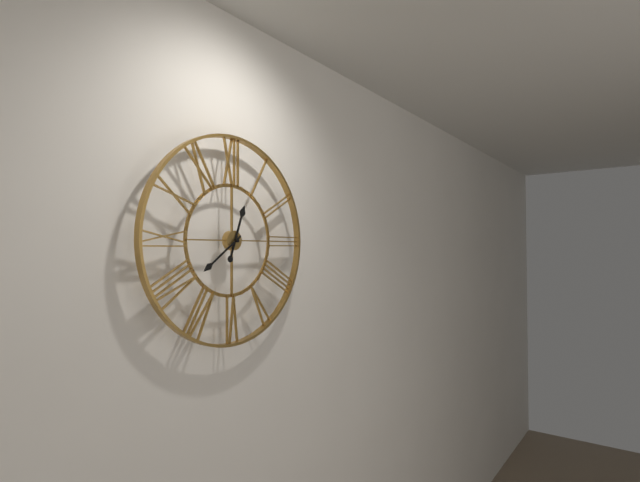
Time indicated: 12:39
